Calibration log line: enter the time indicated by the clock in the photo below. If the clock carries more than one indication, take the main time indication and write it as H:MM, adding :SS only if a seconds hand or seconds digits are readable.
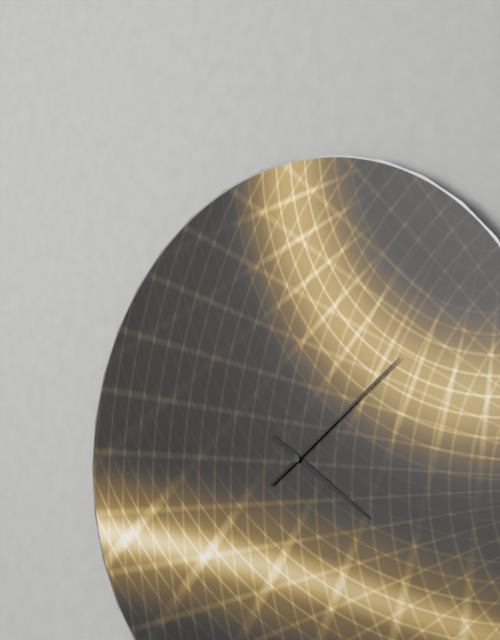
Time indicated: 4:09
